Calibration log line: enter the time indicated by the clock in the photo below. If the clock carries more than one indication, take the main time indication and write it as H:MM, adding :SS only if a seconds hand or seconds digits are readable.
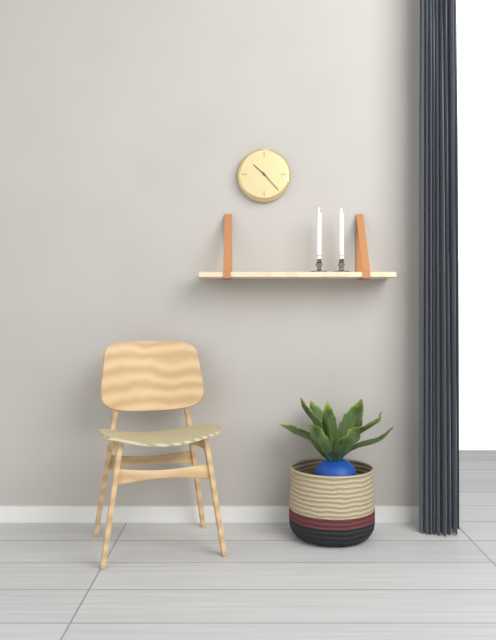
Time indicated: 10:23
